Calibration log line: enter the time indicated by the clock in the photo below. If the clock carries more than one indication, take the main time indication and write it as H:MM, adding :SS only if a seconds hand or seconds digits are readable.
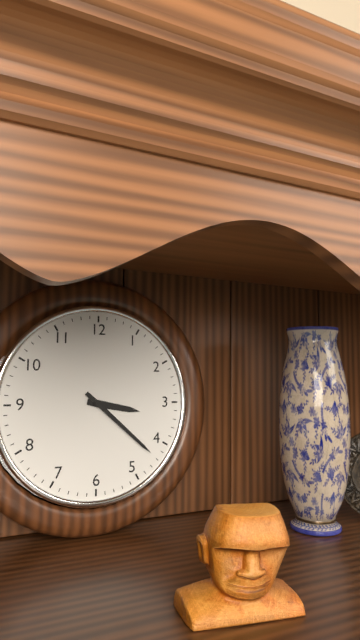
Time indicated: 3:22
